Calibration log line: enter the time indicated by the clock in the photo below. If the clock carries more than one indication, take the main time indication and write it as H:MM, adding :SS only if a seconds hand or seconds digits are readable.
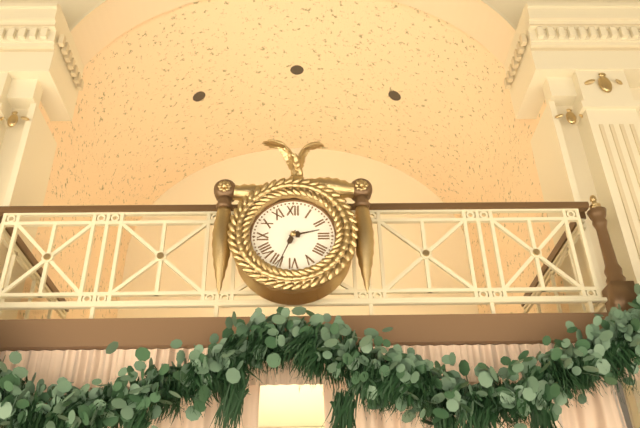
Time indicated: 2:34
